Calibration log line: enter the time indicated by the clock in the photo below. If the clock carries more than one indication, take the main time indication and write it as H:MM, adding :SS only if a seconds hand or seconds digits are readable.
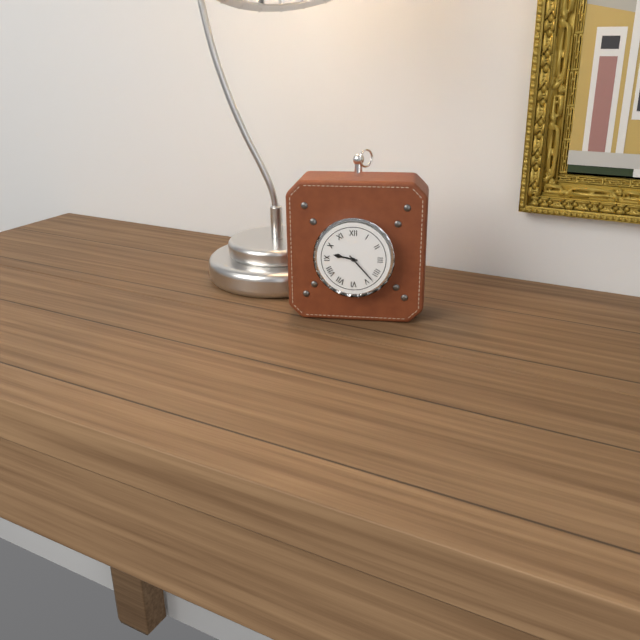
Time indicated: 9:23
